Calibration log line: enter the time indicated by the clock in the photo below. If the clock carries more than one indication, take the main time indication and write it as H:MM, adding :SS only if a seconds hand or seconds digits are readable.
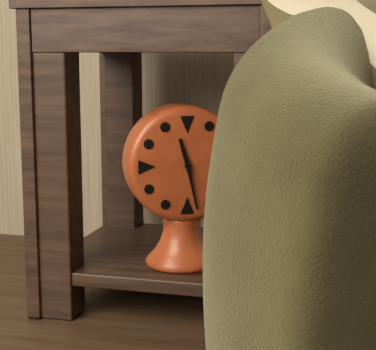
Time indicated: 11:28
